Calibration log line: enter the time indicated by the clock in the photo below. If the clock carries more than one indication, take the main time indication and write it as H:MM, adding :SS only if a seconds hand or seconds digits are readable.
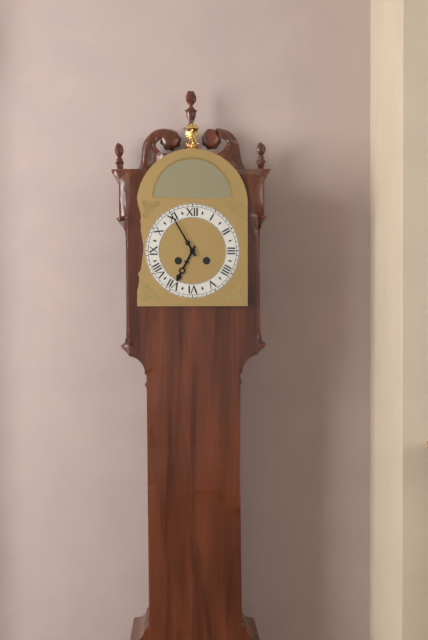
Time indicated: 6:55
